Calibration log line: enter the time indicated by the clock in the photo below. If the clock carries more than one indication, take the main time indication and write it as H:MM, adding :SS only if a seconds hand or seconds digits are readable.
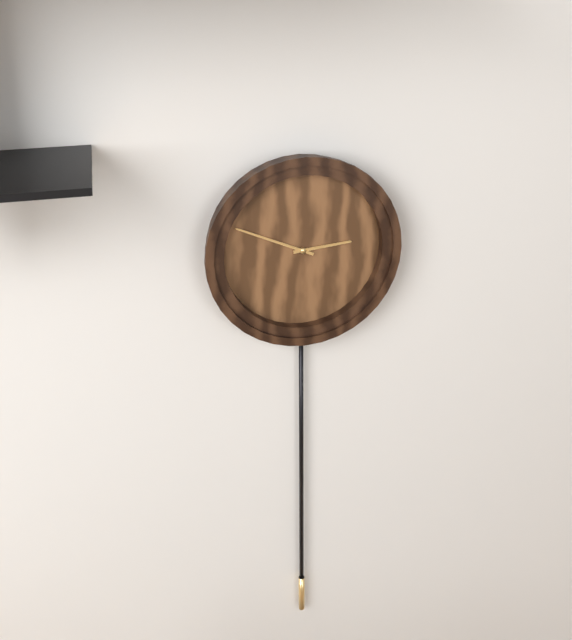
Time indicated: 2:49
